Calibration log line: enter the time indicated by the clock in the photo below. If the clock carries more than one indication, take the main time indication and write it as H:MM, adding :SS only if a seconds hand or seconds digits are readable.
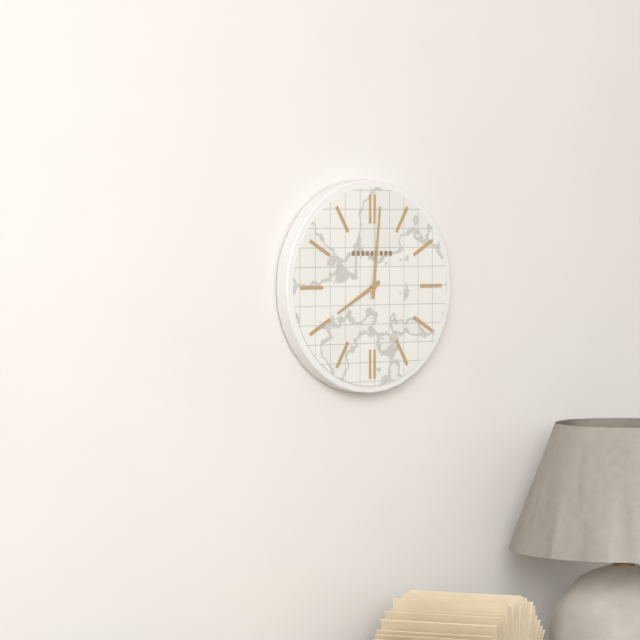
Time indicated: 8:01
